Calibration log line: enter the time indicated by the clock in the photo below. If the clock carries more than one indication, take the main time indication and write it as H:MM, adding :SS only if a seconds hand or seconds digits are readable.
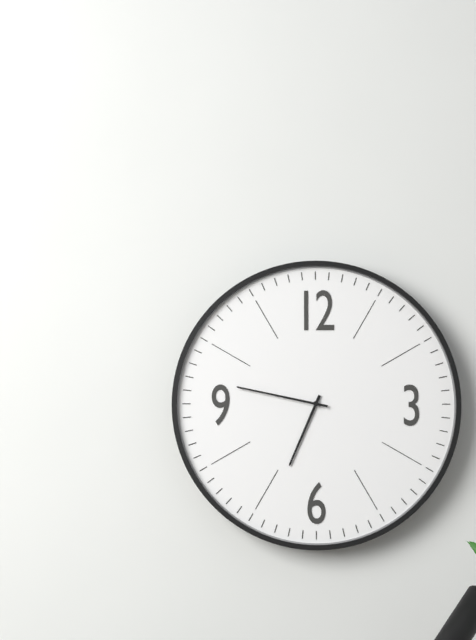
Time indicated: 6:47
